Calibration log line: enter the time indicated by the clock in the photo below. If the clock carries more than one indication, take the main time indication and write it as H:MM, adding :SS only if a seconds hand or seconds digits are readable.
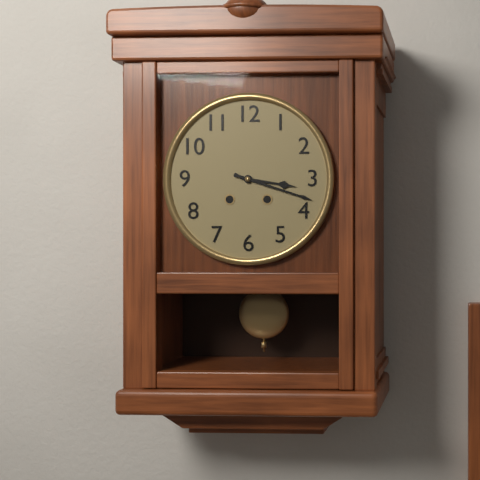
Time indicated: 3:18
